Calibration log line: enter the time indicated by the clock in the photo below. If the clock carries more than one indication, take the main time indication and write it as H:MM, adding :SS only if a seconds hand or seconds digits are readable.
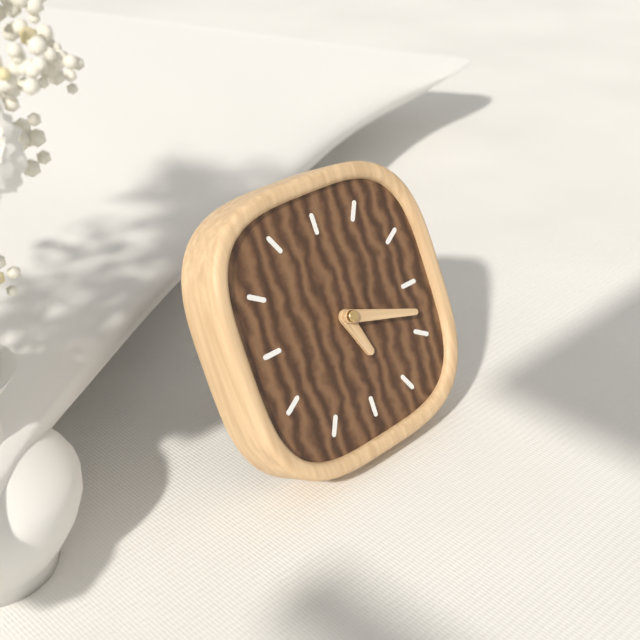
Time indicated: 5:18
